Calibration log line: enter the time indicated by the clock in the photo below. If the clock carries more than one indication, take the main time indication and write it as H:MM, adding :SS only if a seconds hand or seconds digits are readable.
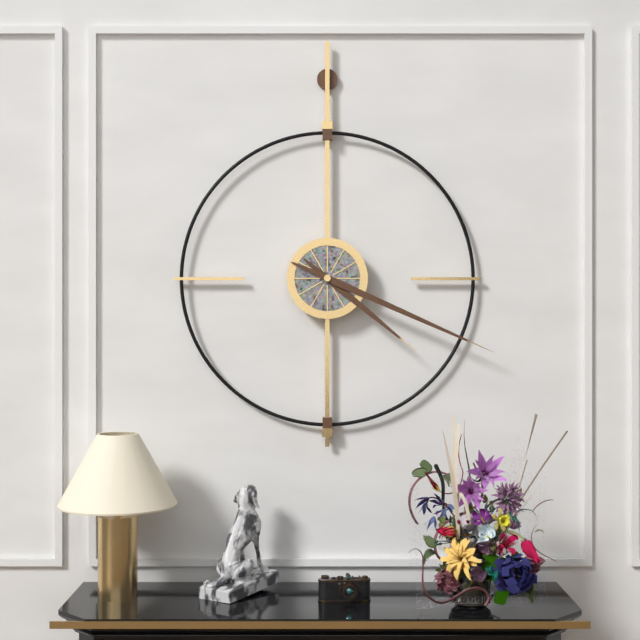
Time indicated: 4:19
